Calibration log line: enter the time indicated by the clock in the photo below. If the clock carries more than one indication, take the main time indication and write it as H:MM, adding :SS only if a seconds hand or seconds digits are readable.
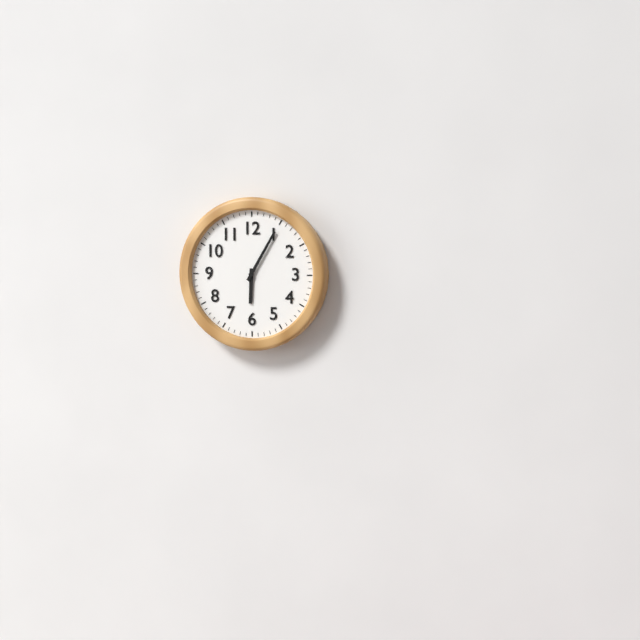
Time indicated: 6:05
